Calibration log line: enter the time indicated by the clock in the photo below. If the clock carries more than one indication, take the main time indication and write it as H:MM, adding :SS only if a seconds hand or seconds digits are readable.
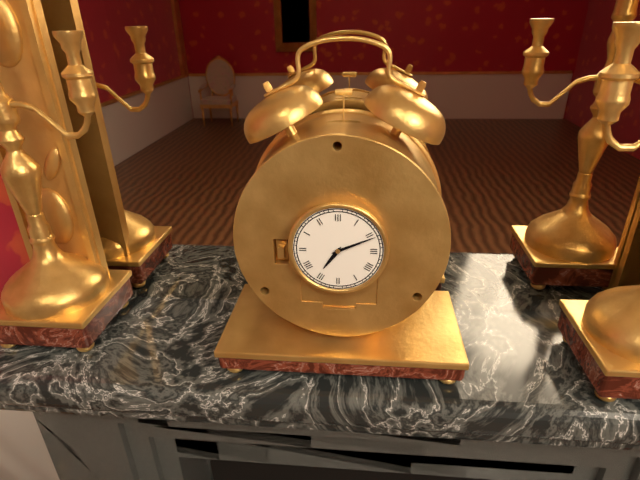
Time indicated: 7:11
